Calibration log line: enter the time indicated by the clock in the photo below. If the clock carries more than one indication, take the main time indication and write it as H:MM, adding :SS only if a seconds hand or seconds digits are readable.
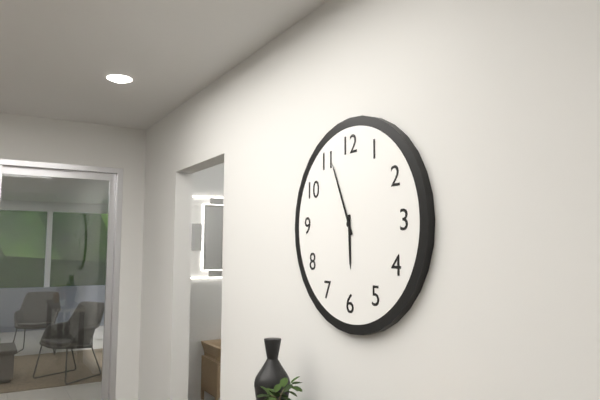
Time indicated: 5:56
